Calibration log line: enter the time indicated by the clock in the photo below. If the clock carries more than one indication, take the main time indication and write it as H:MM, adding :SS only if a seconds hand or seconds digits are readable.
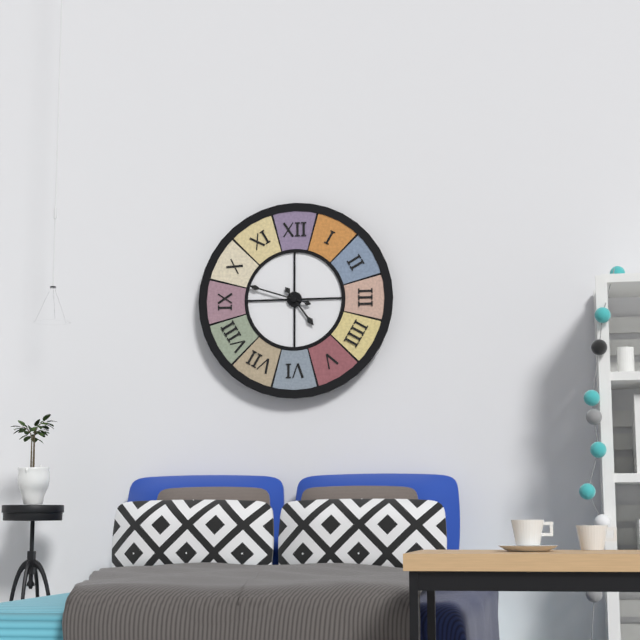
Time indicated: 4:48
